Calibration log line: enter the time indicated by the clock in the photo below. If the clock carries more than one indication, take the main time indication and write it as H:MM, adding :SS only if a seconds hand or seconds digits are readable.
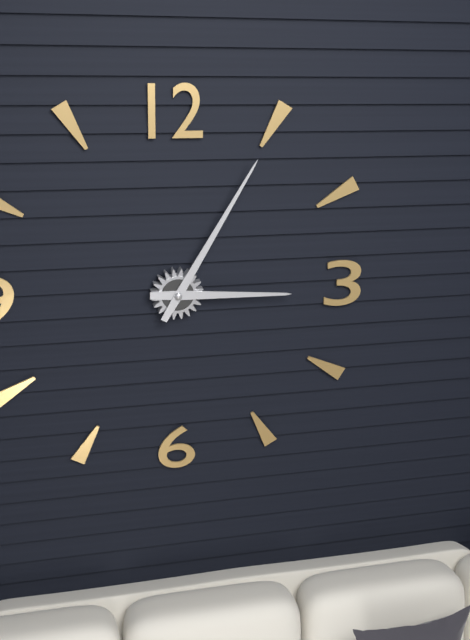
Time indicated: 3:05
